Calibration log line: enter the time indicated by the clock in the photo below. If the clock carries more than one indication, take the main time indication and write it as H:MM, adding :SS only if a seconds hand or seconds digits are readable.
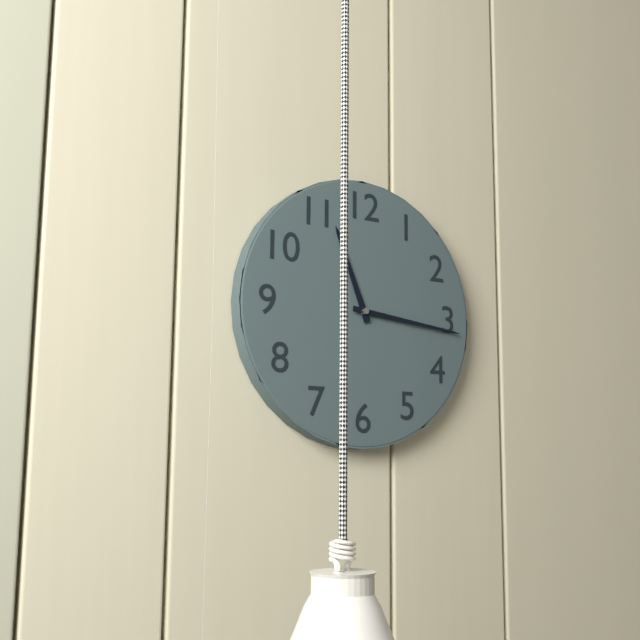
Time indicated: 11:16
